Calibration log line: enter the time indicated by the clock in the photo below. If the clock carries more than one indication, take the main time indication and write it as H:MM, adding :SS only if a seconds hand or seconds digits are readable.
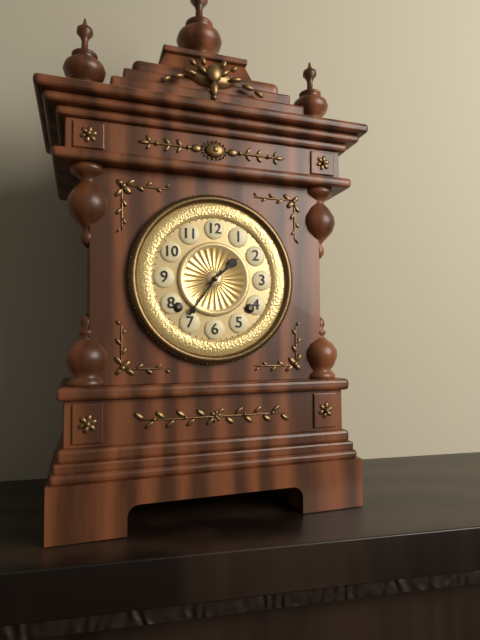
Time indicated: 1:36
